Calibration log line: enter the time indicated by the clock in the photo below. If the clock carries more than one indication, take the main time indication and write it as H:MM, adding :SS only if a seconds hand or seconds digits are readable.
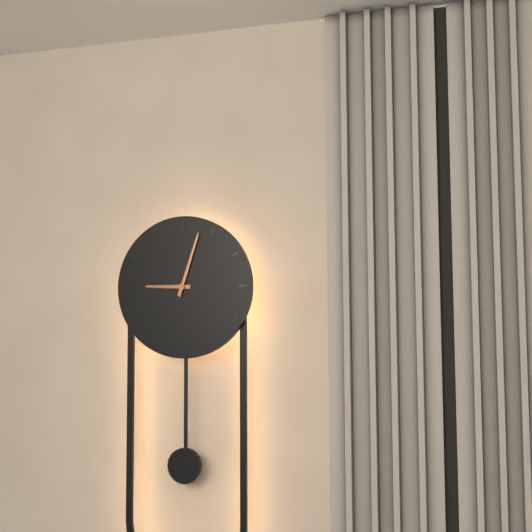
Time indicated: 9:03
